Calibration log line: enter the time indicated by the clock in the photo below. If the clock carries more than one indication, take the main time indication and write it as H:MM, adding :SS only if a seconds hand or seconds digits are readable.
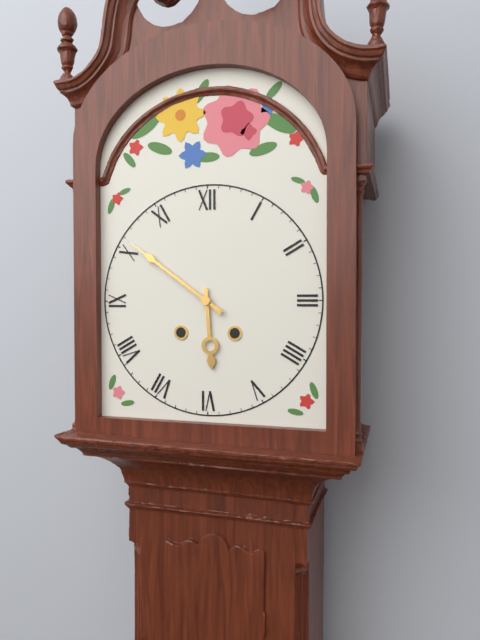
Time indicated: 5:51
